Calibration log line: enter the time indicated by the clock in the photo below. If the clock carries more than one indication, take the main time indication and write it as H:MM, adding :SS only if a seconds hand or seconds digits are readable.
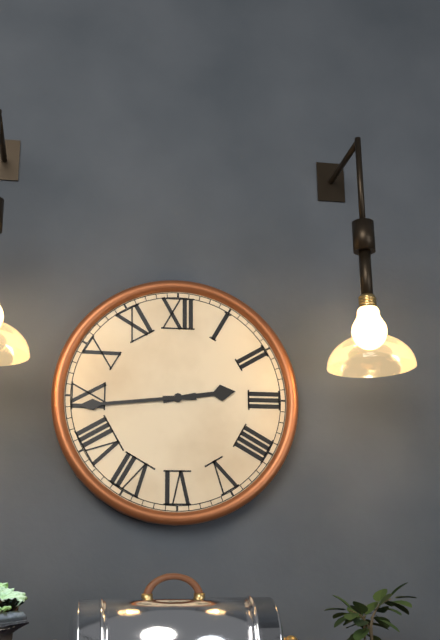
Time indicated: 2:44
